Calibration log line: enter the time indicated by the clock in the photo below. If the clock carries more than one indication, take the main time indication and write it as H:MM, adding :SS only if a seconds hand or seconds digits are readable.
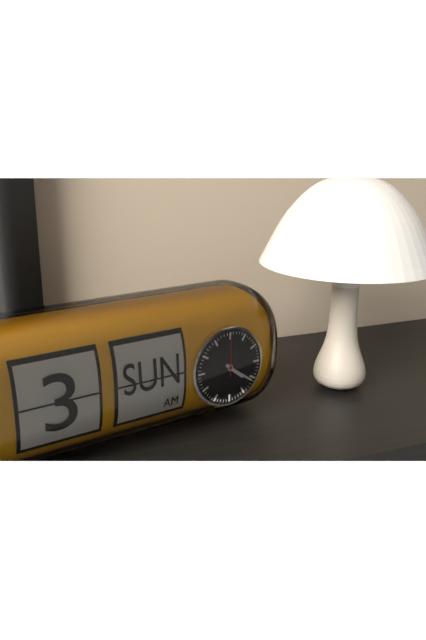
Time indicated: 4:21
